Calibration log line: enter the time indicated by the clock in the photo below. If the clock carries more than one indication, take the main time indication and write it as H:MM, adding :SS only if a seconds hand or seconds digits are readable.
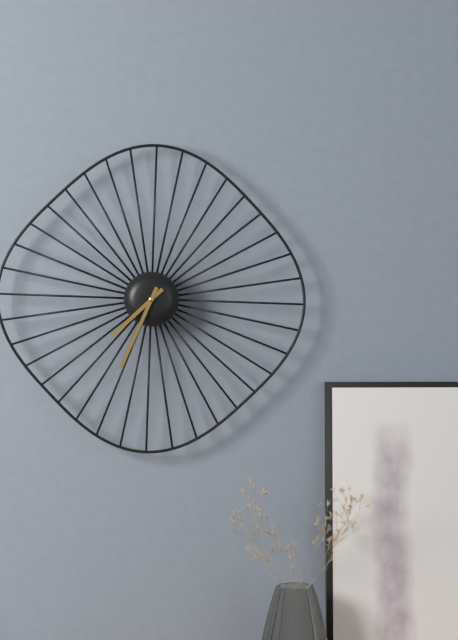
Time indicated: 7:34
